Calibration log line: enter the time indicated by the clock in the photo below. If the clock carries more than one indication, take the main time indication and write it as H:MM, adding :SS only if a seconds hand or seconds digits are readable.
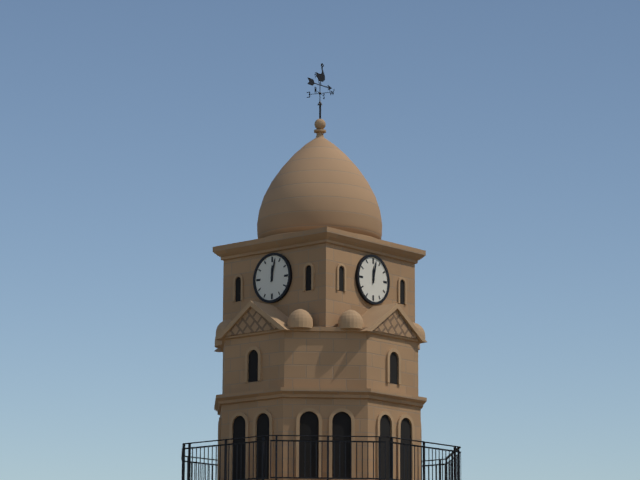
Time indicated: 12:02
